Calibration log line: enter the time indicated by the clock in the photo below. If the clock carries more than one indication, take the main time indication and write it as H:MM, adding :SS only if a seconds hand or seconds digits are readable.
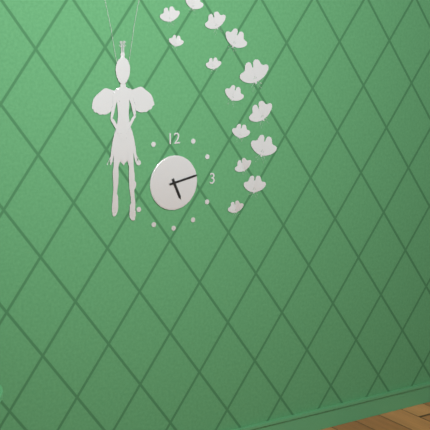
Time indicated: 5:13
